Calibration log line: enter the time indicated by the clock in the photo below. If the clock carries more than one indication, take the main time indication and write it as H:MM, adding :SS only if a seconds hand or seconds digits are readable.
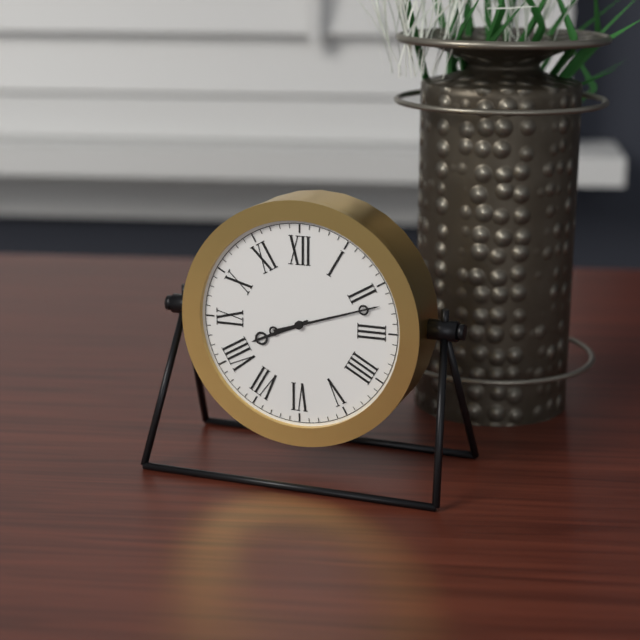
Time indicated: 8:12
